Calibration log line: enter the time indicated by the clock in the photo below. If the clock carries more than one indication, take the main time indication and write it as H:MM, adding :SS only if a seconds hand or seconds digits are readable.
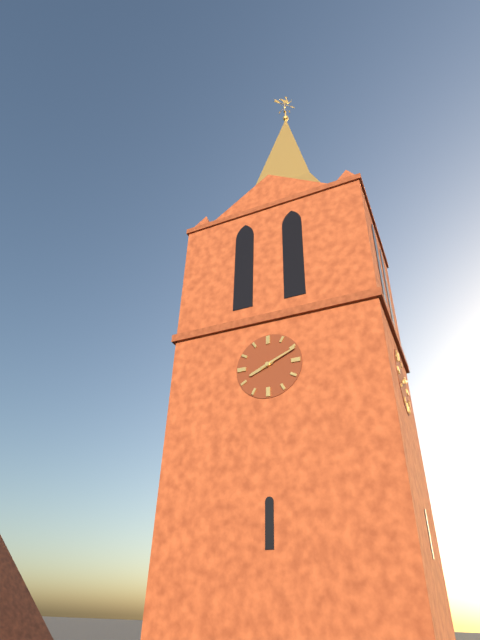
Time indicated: 8:11
